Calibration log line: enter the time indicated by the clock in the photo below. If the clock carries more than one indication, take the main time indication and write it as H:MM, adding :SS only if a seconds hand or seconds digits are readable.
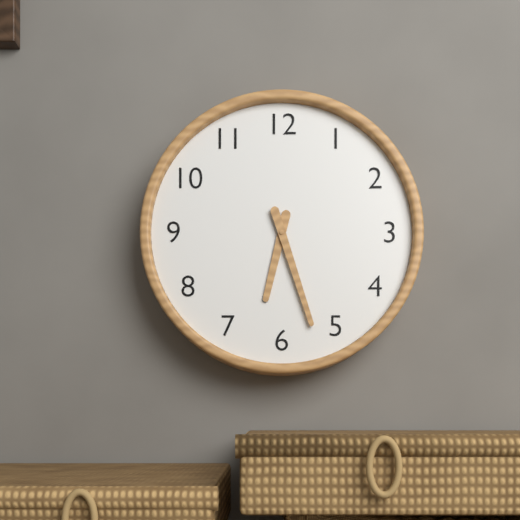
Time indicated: 6:27
